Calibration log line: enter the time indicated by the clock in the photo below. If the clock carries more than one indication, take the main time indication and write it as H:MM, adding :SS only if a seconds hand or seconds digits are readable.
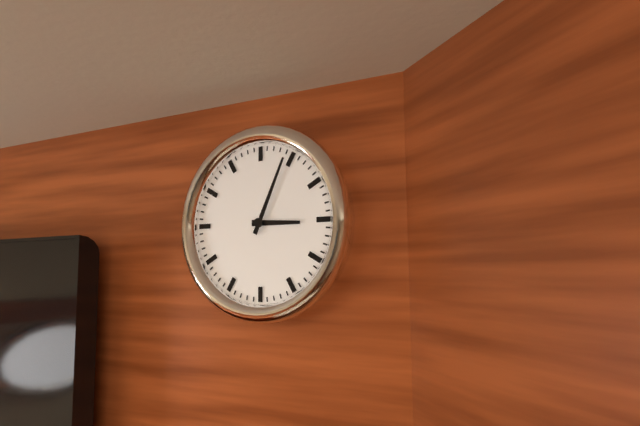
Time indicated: 3:04
